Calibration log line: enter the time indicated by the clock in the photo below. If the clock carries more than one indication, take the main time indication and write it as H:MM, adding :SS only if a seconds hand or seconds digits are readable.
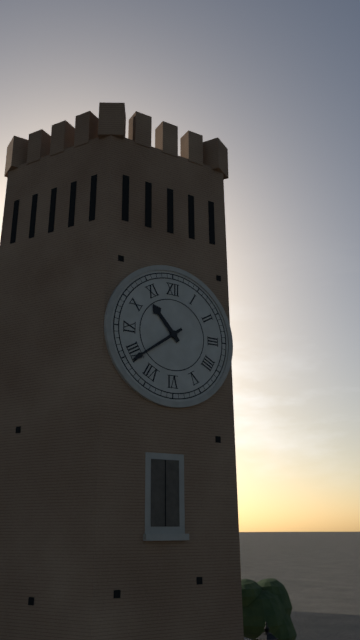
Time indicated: 10:39
